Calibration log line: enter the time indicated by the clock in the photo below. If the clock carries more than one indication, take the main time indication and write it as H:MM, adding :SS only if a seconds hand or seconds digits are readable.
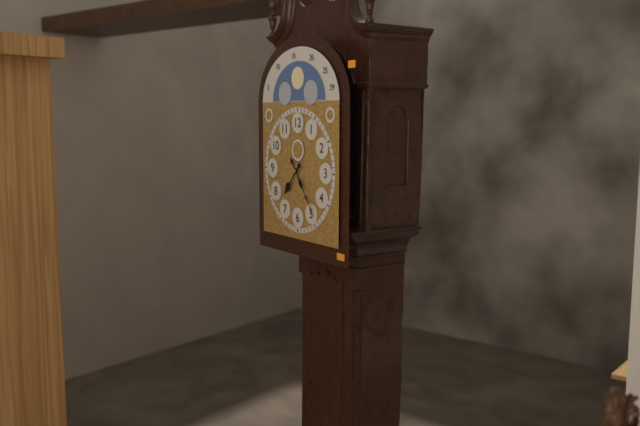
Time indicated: 7:24
